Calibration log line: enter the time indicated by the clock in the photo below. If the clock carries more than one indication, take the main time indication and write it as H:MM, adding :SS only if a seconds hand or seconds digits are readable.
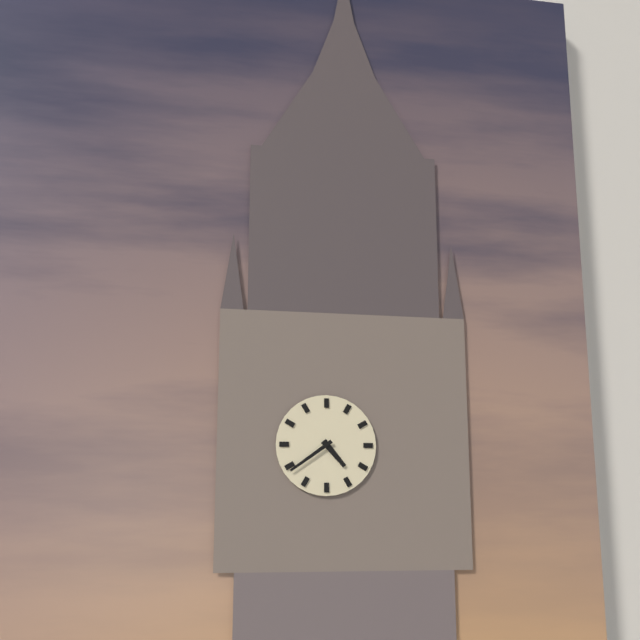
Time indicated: 4:39
